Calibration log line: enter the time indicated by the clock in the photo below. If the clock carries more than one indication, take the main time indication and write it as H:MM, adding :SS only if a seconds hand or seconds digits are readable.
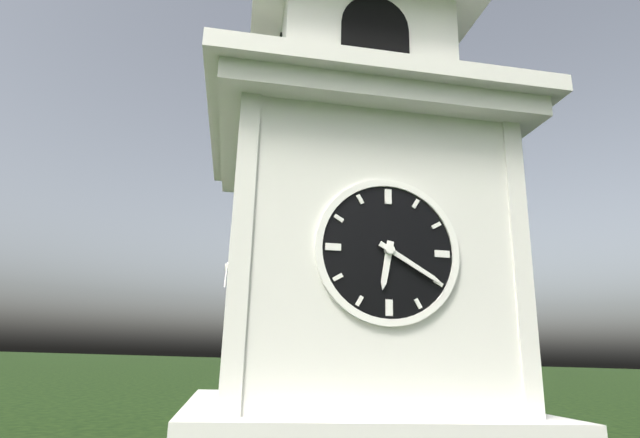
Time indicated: 6:20
